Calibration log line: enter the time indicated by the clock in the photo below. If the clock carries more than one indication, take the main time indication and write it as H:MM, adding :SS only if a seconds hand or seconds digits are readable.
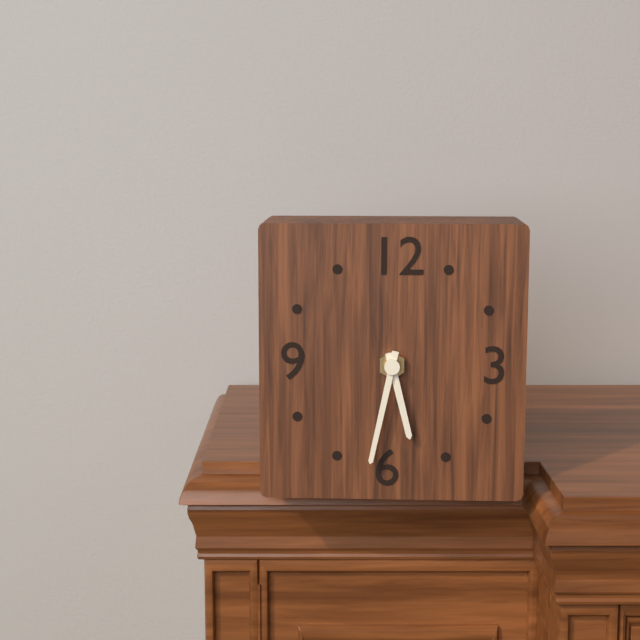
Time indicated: 5:32
